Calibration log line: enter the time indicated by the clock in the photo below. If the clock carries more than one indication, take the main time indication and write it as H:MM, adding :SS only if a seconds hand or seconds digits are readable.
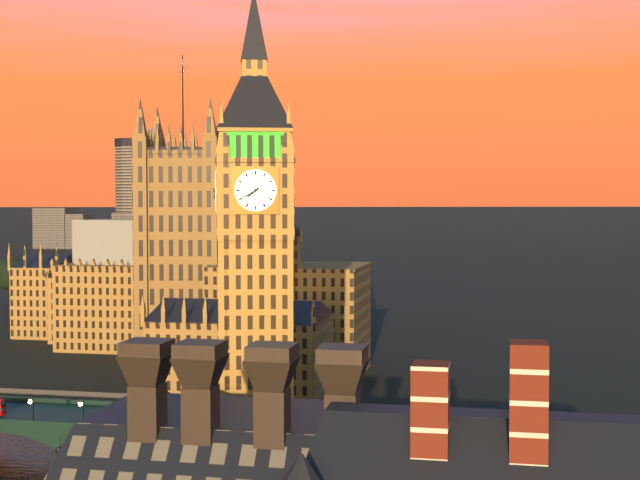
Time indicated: 7:40
